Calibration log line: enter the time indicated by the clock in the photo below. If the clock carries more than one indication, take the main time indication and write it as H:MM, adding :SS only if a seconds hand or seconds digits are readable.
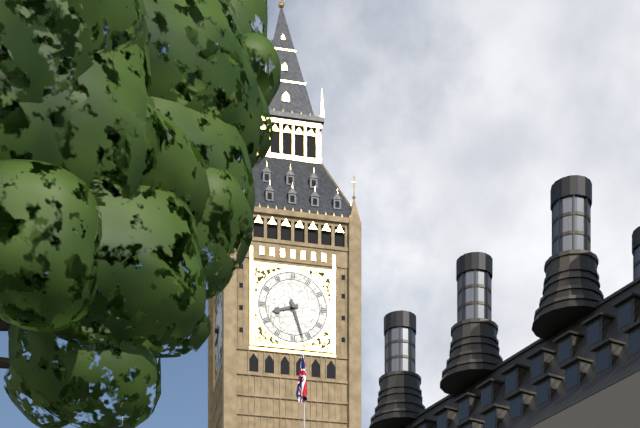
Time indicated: 8:27
